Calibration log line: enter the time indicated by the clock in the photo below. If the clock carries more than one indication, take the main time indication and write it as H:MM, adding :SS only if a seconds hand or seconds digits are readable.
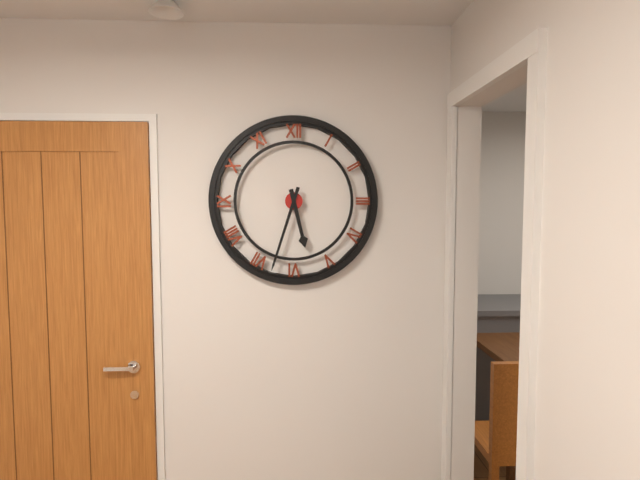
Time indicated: 5:33
